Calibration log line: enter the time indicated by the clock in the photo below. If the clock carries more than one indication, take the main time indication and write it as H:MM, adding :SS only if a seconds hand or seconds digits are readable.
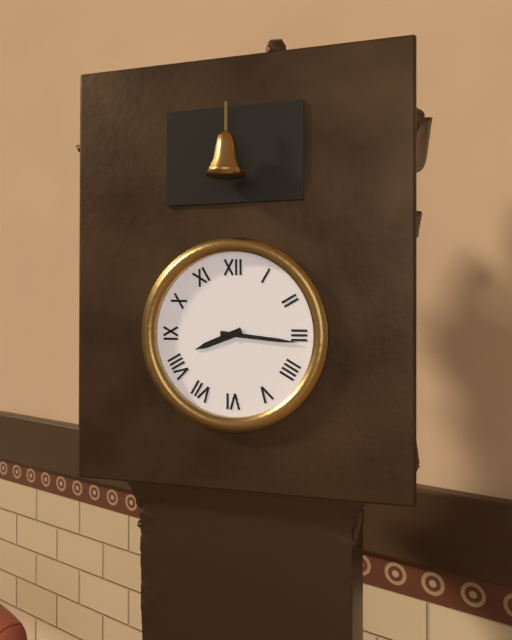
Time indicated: 8:16
